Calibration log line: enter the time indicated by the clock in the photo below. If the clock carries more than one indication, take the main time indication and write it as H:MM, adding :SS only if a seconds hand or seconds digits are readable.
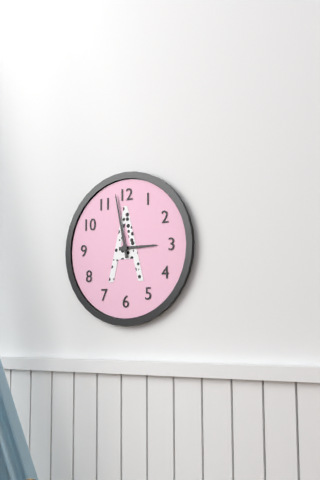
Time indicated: 2:58
